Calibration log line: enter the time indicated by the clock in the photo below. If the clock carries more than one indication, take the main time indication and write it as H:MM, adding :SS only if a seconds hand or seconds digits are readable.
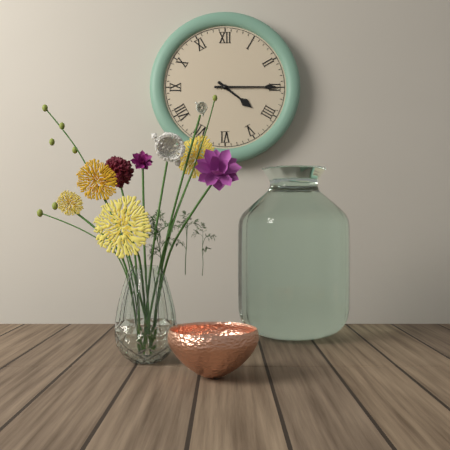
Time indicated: 4:15
